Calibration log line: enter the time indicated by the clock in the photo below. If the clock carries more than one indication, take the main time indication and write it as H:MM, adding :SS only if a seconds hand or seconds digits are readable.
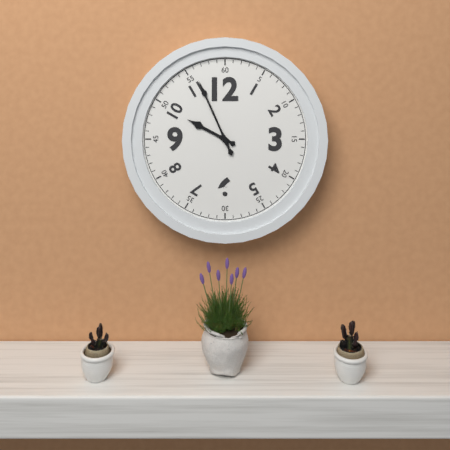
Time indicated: 9:56
